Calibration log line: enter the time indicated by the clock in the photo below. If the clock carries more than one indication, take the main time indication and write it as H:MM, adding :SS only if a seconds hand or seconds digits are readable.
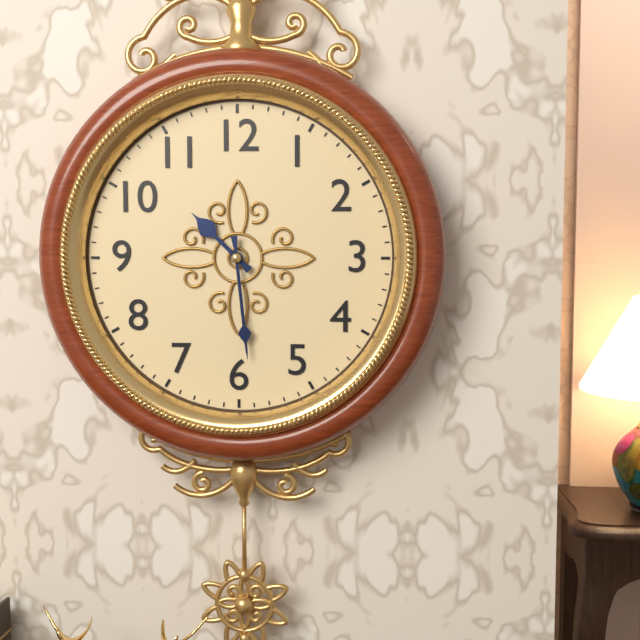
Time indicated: 10:29
